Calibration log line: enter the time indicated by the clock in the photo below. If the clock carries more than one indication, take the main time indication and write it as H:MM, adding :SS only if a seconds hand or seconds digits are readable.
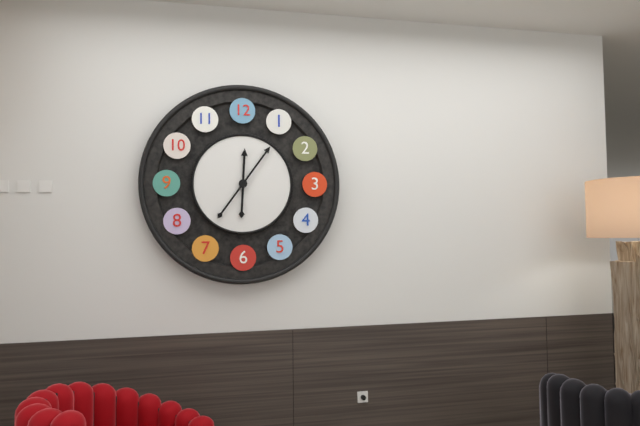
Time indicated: 12:06
